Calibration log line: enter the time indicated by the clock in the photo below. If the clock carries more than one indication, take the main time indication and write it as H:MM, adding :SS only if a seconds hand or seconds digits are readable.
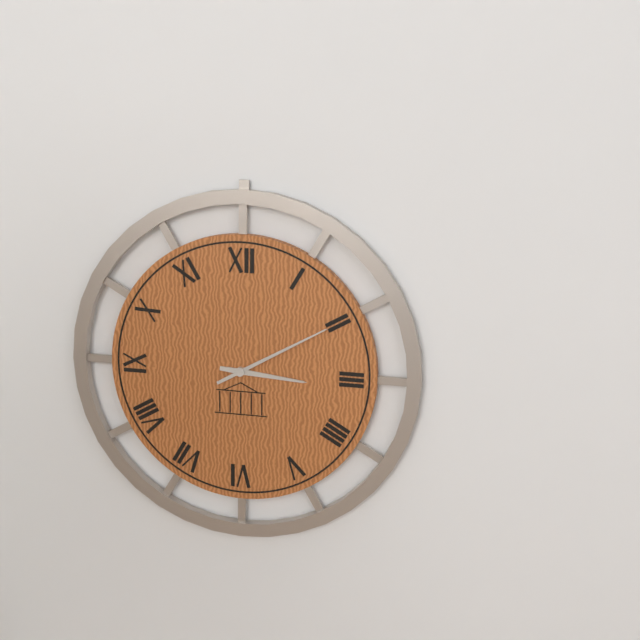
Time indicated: 3:10
